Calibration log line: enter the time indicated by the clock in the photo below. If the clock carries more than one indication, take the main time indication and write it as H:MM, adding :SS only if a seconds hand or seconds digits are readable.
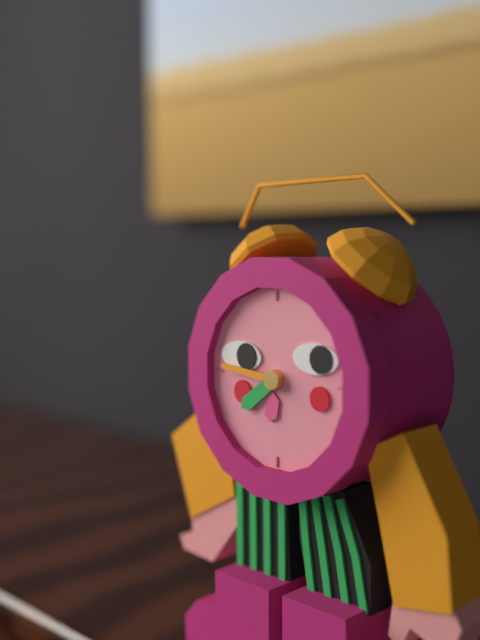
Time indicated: 7:46
